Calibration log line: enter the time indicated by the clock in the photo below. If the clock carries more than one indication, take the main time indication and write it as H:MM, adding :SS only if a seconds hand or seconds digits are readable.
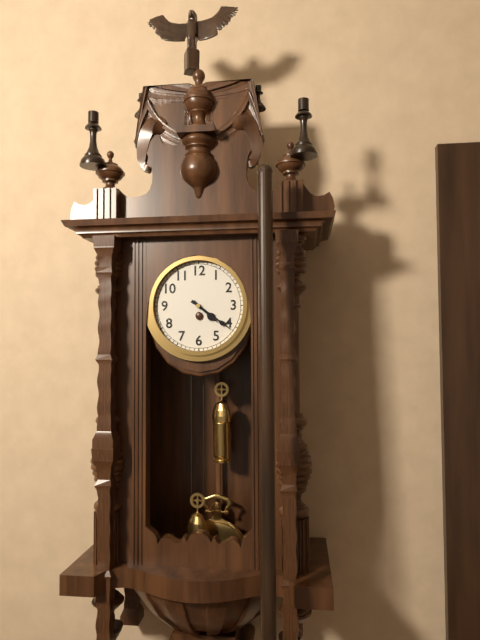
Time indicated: 4:21
